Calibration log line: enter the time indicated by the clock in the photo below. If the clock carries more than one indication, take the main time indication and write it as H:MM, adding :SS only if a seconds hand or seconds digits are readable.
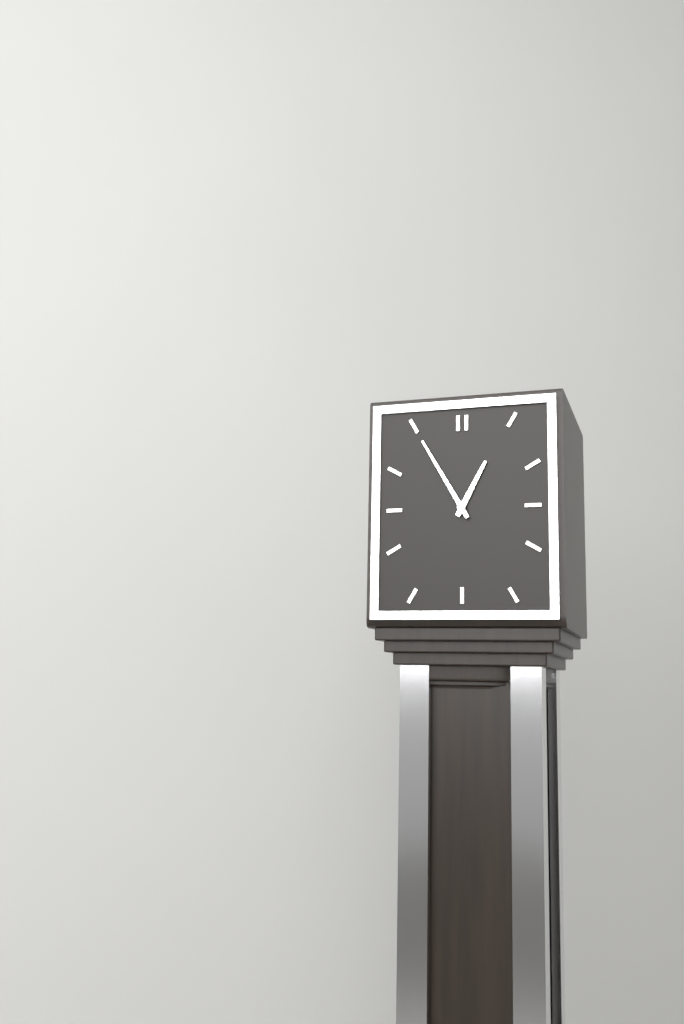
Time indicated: 12:55
